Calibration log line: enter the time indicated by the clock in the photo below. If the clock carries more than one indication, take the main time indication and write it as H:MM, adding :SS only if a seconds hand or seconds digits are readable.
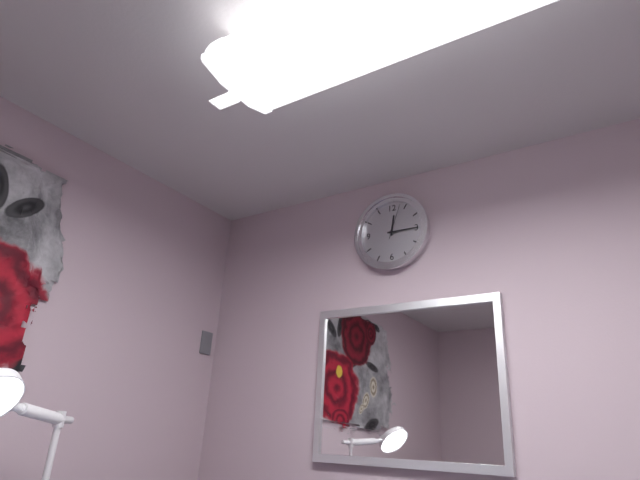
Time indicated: 12:15
